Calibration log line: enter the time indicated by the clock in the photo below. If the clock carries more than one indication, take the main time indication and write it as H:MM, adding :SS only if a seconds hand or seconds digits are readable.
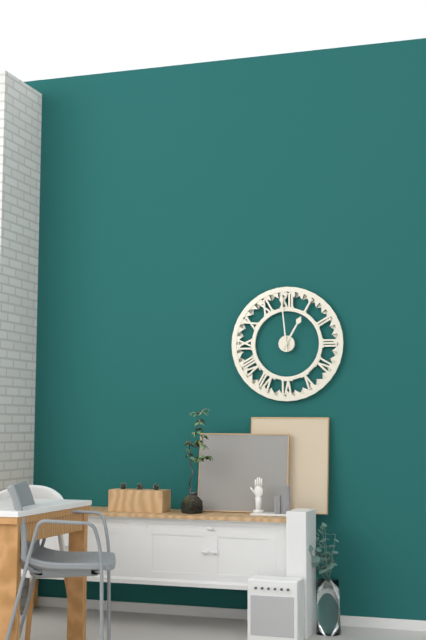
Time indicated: 12:59
